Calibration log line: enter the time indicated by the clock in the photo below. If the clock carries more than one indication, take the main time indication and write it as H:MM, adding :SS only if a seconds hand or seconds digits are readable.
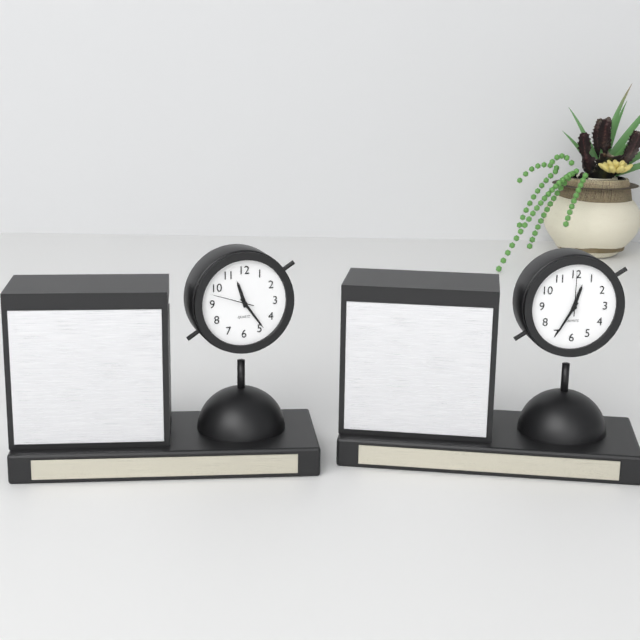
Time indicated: 11:24
